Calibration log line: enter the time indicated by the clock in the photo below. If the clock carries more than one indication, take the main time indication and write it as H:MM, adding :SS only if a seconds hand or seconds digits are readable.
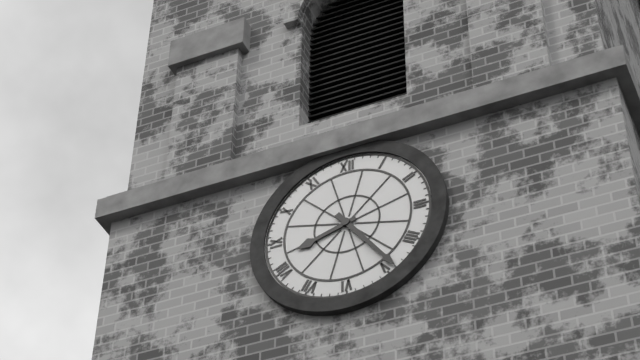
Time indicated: 8:24
